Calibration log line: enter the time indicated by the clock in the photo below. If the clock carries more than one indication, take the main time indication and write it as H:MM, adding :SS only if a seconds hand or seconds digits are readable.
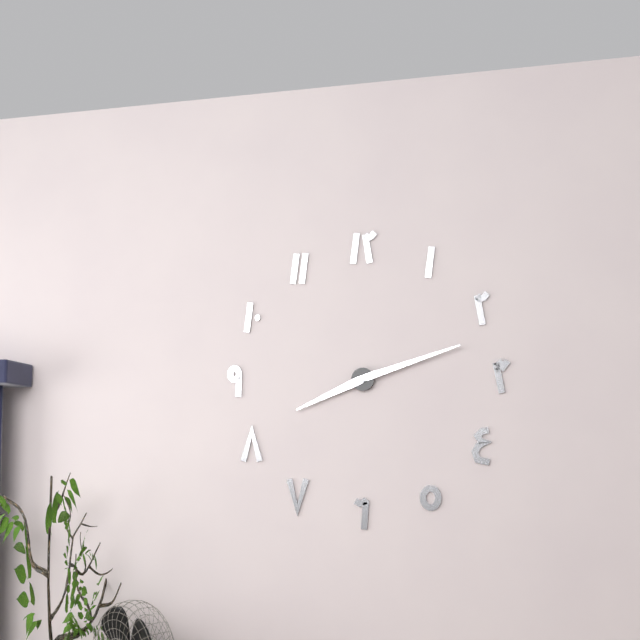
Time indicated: 8:12
